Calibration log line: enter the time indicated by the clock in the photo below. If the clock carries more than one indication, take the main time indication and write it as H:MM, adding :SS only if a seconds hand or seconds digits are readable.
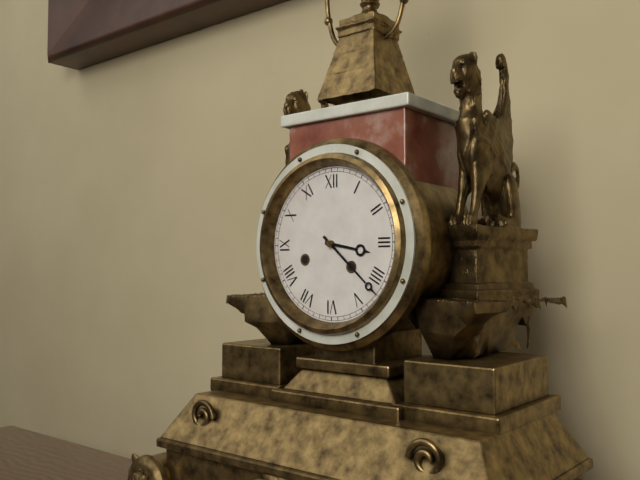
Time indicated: 3:22
